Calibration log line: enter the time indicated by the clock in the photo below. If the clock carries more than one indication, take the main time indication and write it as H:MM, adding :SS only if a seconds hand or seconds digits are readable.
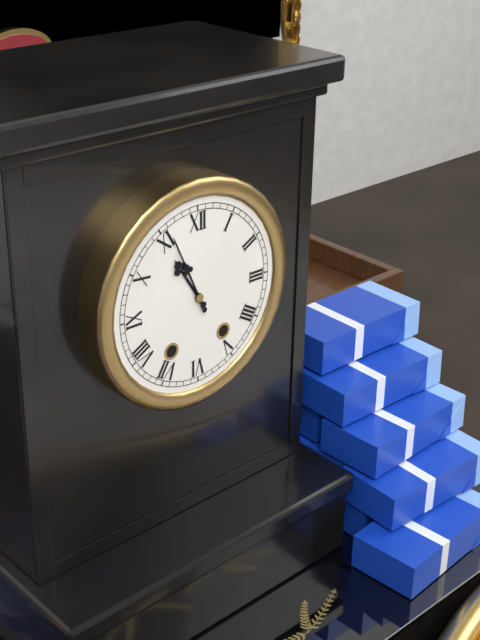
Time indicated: 10:56
